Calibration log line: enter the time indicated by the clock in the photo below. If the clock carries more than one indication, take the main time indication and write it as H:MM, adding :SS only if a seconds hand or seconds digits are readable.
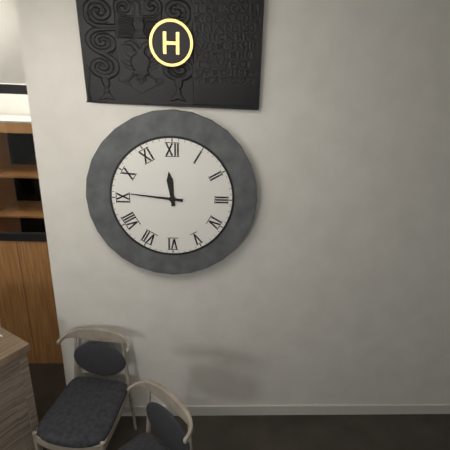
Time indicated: 11:46
